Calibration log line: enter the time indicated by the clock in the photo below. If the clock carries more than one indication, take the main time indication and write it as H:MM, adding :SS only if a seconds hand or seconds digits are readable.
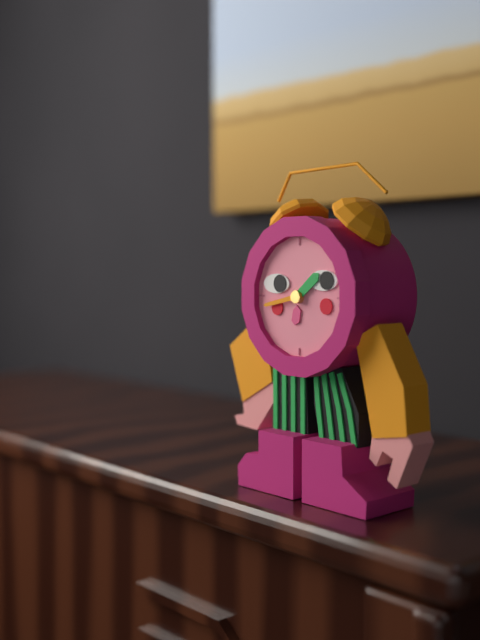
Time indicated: 1:43
